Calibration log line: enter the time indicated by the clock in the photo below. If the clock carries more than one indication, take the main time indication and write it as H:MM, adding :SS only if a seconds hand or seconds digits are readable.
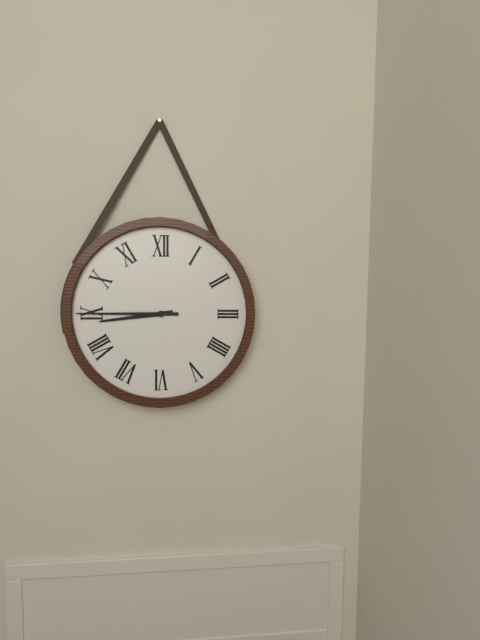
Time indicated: 8:45
